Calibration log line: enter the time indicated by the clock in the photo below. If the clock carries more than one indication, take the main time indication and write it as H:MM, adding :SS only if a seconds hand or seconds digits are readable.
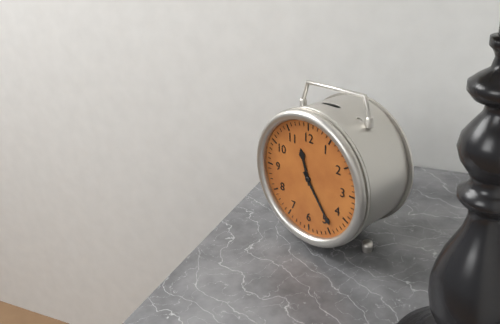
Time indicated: 11:24
